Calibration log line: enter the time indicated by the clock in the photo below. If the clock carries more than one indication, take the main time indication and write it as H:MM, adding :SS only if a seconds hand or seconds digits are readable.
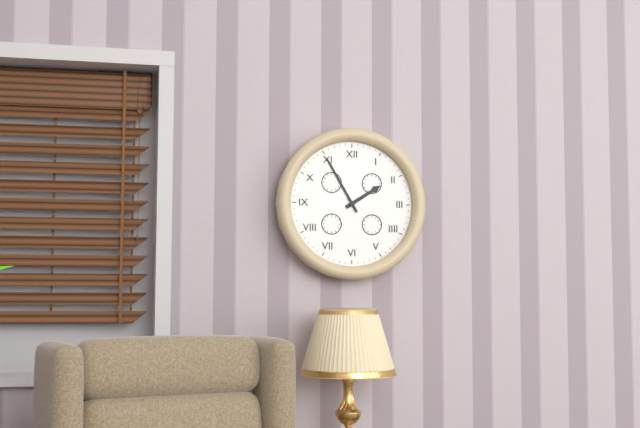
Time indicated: 1:55
